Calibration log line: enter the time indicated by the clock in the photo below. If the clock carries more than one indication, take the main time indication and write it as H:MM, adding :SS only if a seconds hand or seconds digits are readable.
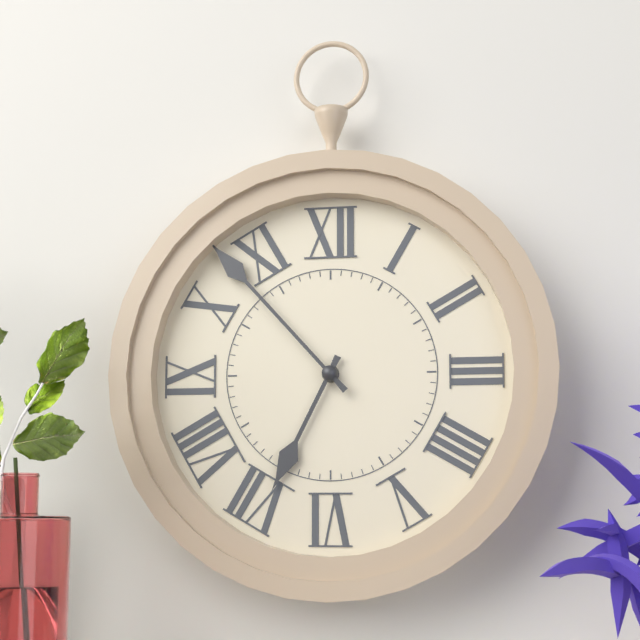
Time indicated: 6:53
